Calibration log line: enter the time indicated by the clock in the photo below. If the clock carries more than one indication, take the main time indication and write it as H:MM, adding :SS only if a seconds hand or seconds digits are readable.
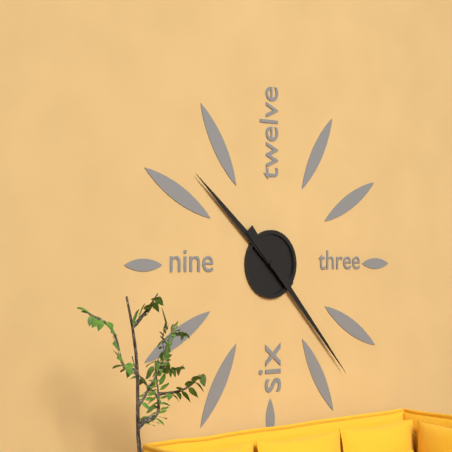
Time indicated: 10:23
